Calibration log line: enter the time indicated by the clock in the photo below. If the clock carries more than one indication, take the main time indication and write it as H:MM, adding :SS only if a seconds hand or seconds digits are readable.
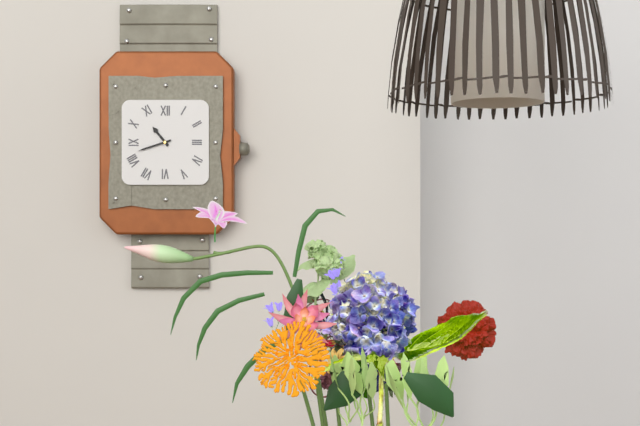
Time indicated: 10:42
